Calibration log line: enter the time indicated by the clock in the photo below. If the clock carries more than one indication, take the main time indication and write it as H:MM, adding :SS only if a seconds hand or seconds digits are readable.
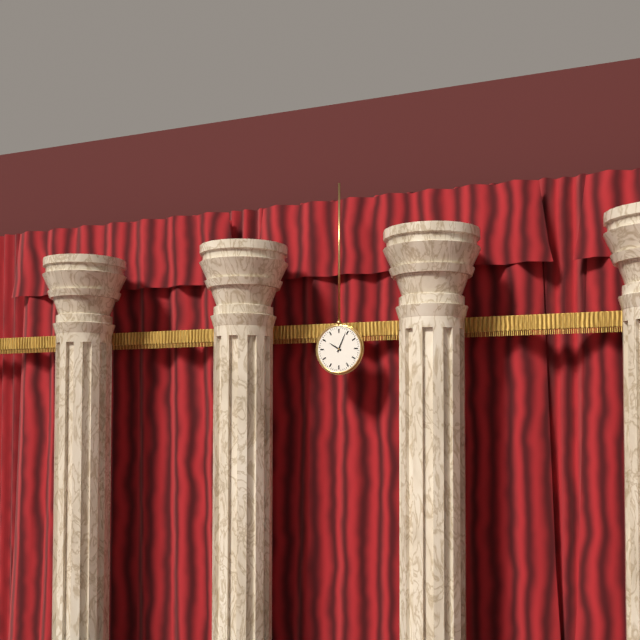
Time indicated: 10:04
